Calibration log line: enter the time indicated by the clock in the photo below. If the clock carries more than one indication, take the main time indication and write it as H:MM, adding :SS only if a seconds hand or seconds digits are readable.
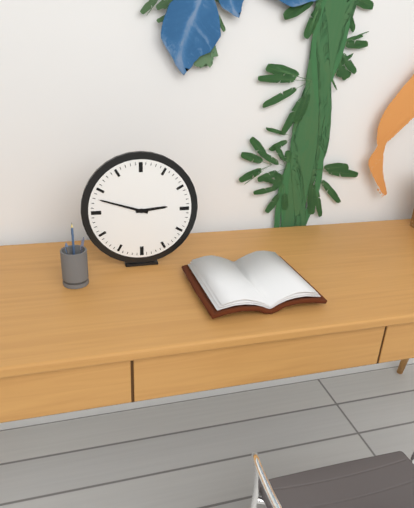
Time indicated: 2:48
